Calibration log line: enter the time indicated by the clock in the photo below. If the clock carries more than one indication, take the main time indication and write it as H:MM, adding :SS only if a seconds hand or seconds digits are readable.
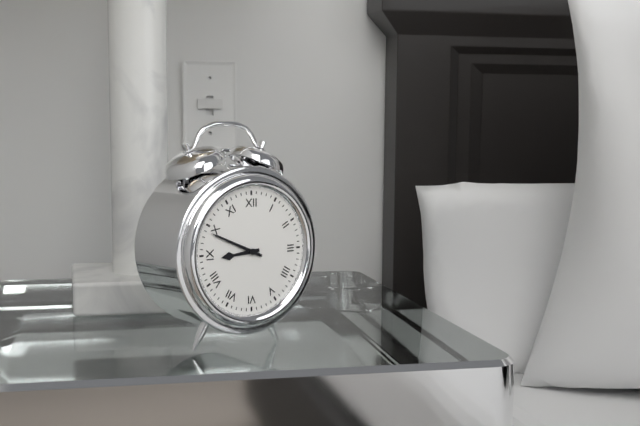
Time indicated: 8:49
